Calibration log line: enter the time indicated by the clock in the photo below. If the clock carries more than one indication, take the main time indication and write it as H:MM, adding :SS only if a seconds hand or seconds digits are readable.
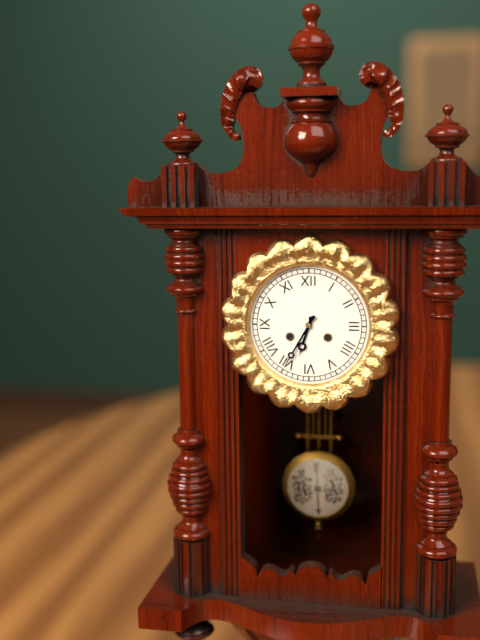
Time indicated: 6:35
